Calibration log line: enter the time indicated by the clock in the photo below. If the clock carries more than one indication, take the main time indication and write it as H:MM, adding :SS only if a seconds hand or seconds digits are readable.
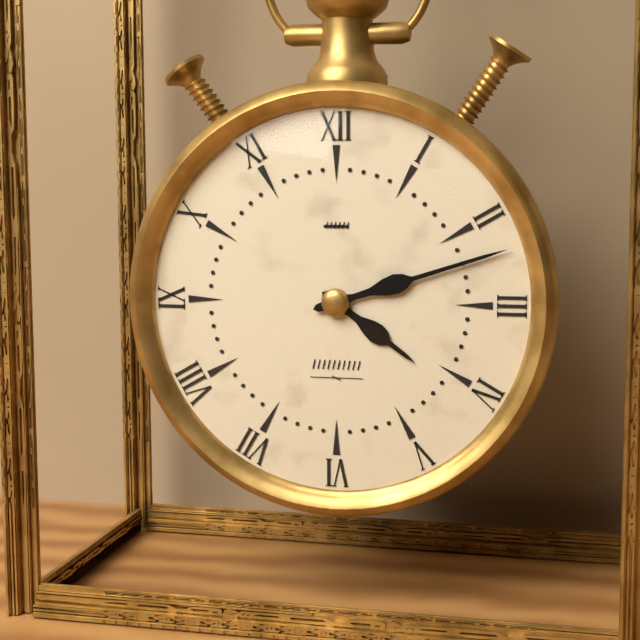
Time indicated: 4:12
